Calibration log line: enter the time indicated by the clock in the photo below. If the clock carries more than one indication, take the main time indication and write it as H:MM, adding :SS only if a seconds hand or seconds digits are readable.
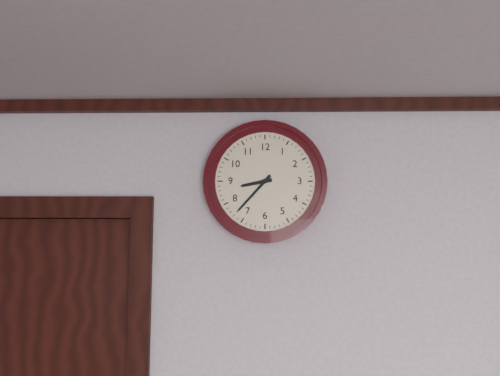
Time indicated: 8:37
